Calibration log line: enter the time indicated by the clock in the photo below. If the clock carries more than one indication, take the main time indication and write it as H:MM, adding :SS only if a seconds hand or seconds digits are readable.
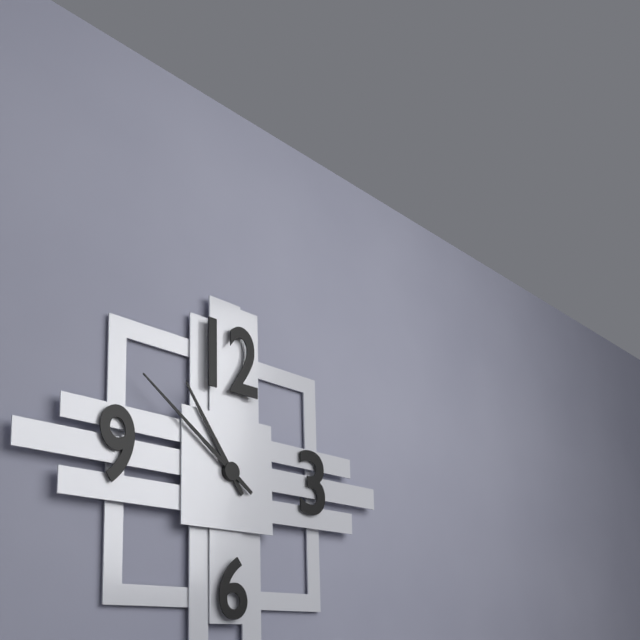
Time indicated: 10:51
